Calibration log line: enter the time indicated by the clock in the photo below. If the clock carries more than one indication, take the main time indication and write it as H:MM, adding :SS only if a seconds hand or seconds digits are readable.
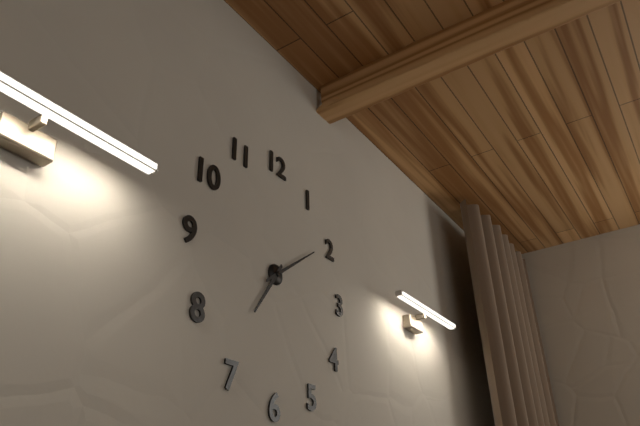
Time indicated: 7:09
